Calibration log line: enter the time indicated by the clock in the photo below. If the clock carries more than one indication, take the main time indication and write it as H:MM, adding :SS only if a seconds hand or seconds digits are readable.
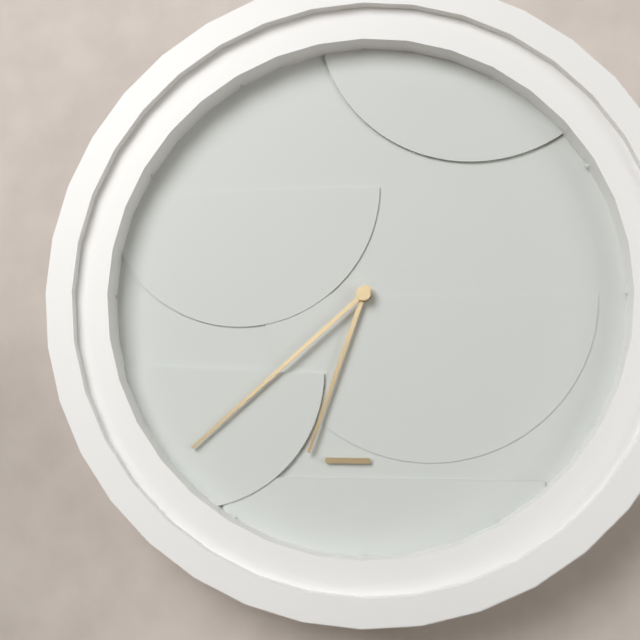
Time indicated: 6:38
